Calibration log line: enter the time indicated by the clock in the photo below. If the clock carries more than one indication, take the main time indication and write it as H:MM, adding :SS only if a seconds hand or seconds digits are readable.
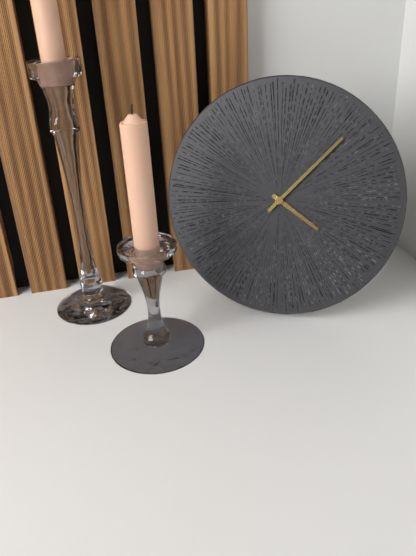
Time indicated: 4:07
